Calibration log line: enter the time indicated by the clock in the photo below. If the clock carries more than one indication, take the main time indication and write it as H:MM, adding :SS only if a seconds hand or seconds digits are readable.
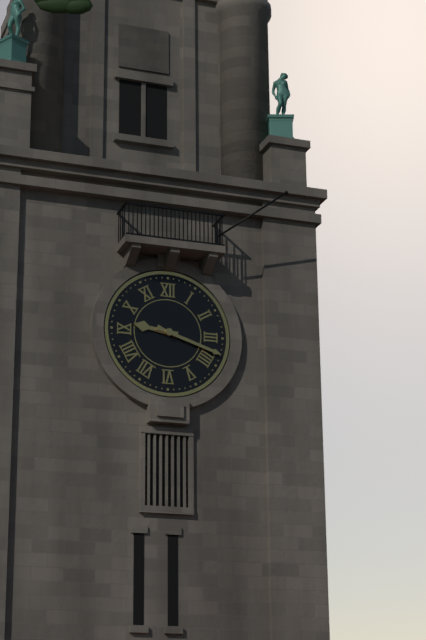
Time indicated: 9:18
